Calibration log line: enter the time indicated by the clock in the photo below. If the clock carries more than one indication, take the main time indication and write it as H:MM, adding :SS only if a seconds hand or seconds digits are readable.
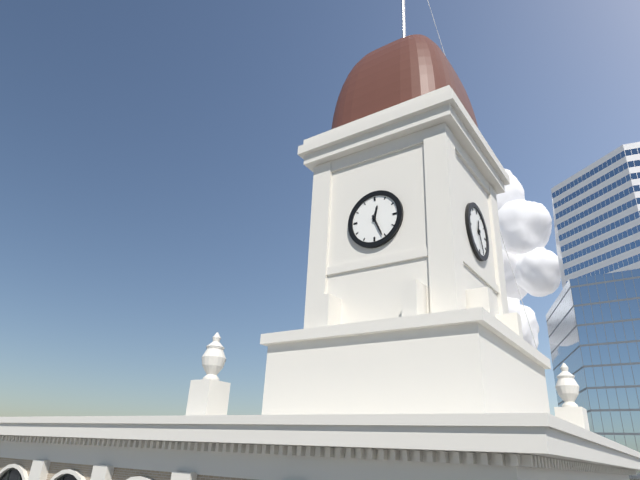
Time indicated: 12:26
